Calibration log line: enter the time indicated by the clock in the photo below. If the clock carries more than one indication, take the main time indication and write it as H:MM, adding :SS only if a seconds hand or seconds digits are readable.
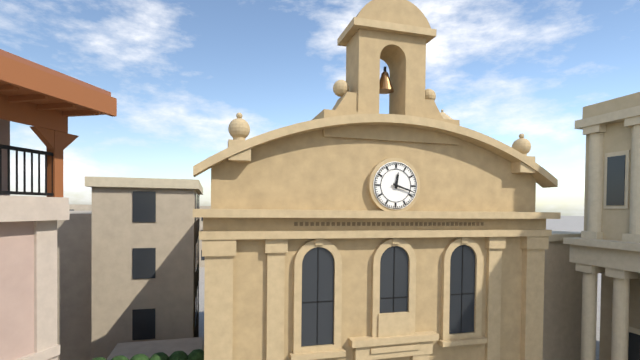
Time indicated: 12:18
